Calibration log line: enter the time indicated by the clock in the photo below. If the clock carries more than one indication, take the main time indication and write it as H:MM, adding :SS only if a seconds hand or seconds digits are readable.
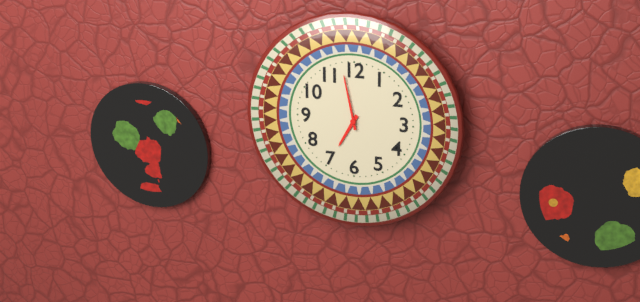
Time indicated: 6:58
